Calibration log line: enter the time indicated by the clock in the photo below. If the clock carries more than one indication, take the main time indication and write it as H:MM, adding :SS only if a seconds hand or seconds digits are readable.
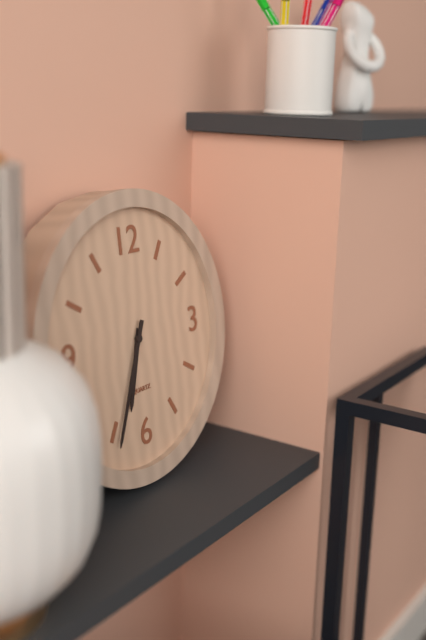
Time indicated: 6:34
